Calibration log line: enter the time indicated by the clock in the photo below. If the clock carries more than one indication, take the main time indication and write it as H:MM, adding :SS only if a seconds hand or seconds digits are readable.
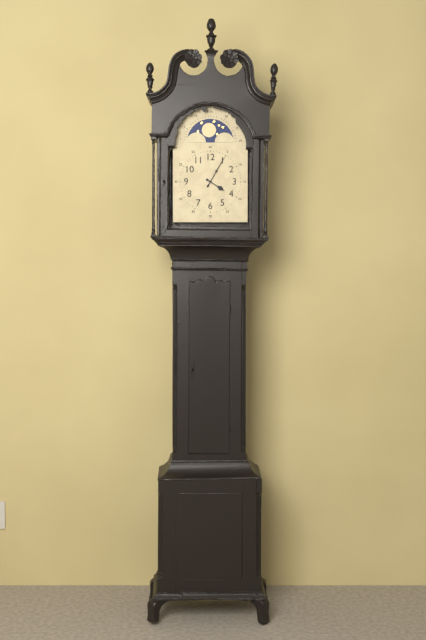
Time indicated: 4:05
